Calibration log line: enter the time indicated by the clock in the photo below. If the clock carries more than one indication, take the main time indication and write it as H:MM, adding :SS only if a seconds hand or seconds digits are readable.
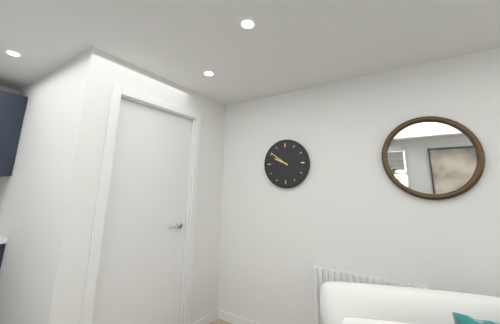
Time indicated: 9:51
